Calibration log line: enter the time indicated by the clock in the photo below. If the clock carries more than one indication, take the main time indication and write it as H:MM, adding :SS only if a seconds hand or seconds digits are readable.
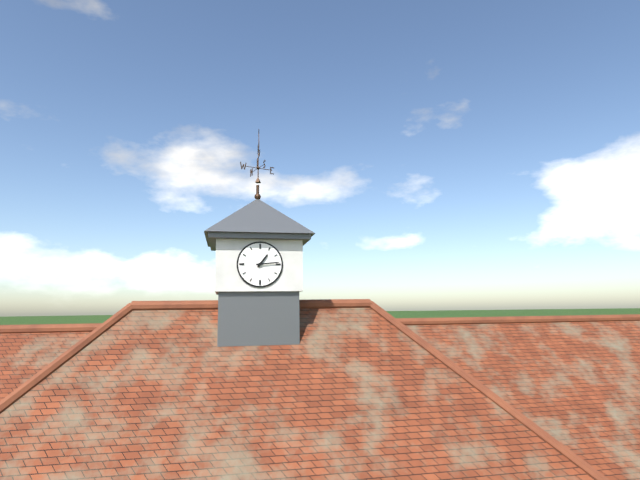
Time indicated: 1:14
